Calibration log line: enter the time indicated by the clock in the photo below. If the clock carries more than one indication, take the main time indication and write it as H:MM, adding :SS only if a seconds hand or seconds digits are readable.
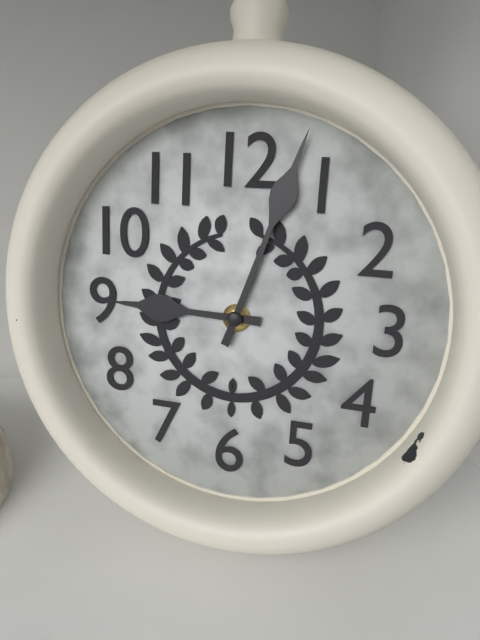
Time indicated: 9:03
